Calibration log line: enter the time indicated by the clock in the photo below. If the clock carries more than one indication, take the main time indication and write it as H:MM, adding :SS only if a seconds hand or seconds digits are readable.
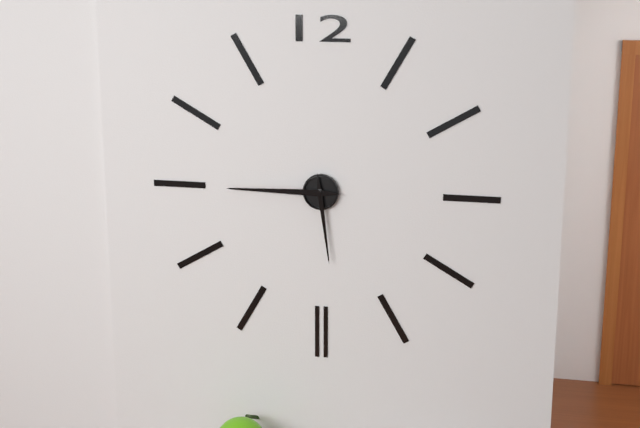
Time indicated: 5:45
